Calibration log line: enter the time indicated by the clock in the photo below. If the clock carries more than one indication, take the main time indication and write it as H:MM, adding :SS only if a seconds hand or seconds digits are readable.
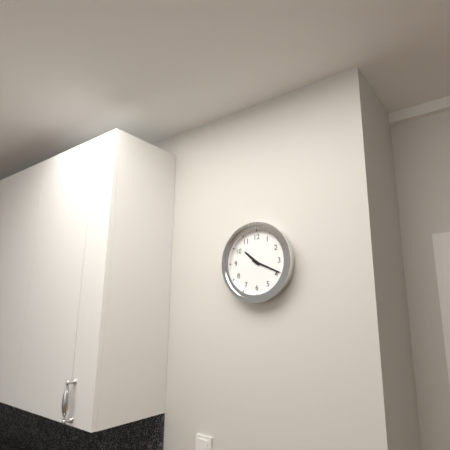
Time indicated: 10:19
